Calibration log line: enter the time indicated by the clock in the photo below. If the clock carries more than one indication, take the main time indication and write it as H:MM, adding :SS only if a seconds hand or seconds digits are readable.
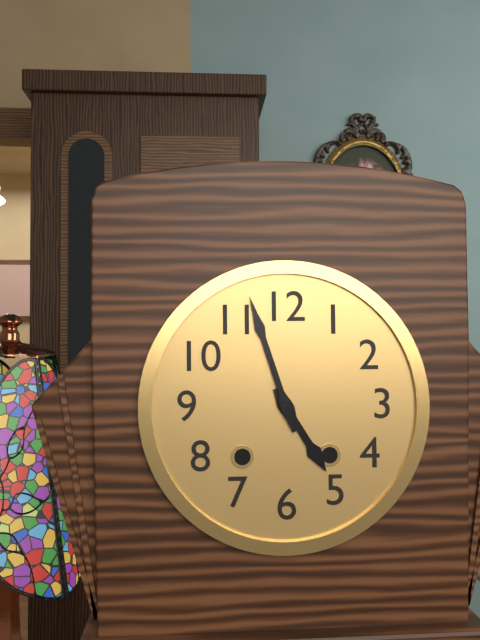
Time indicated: 4:57
